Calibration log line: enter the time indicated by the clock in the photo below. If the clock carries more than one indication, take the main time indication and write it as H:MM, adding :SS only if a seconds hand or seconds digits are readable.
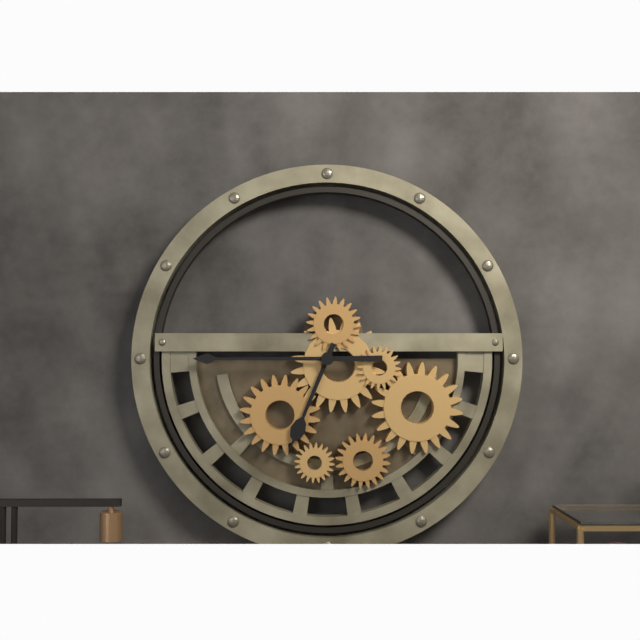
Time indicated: 6:45
